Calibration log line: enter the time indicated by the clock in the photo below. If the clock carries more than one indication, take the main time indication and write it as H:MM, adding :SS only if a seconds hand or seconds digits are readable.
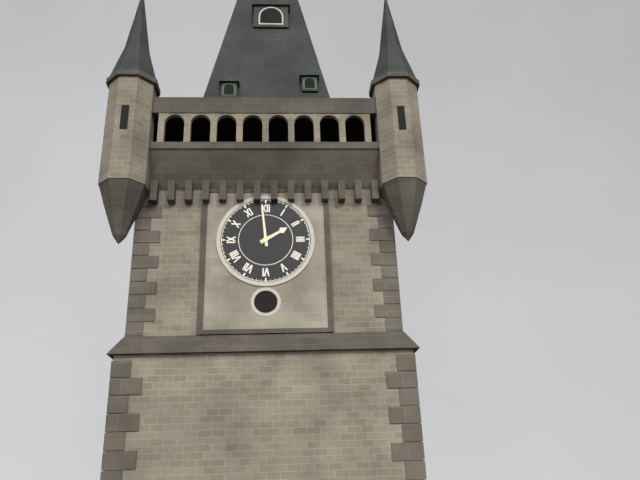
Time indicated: 1:59
